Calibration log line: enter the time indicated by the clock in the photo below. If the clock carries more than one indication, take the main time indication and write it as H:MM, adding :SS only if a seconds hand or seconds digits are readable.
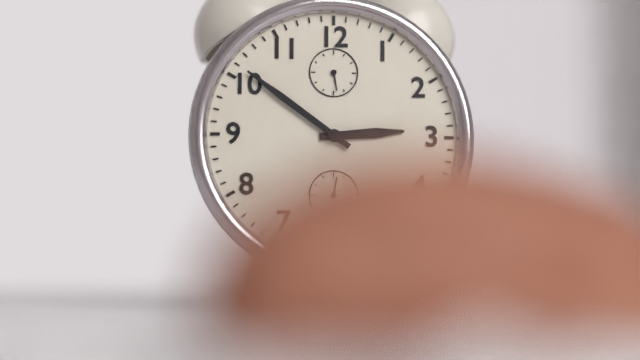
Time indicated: 2:51
